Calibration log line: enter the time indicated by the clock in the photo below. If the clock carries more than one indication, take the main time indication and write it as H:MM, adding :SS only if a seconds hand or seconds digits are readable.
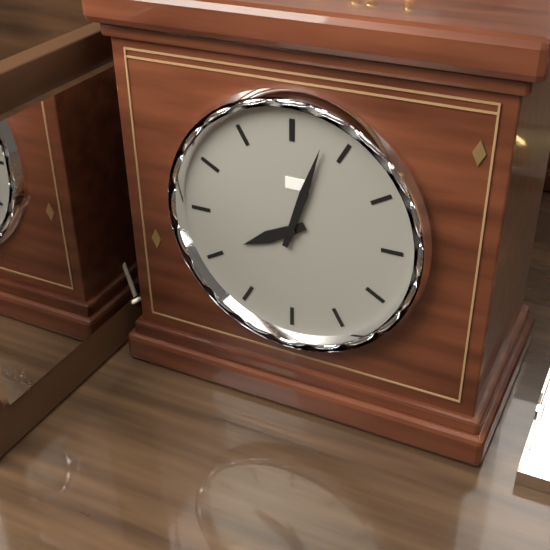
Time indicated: 8:03
